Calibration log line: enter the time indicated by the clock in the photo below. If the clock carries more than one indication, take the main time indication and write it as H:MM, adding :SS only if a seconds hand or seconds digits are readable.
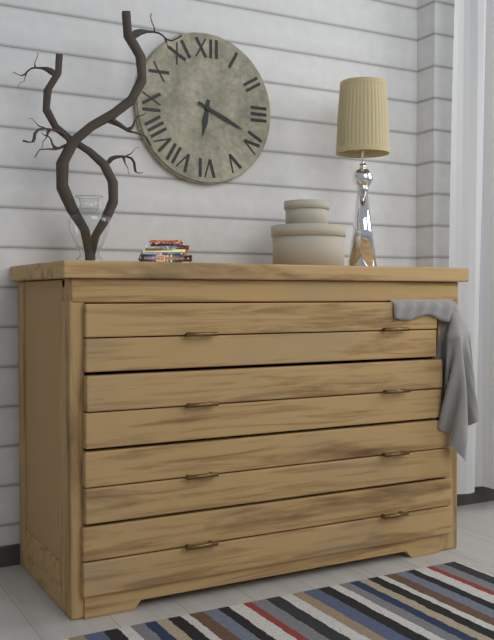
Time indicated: 6:19
